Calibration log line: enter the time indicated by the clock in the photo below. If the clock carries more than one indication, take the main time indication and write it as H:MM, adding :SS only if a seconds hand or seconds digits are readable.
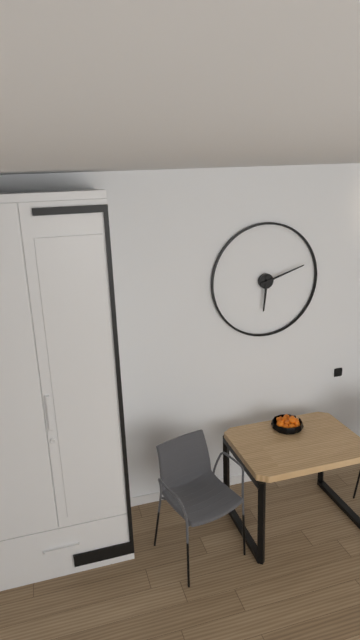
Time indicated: 6:12
